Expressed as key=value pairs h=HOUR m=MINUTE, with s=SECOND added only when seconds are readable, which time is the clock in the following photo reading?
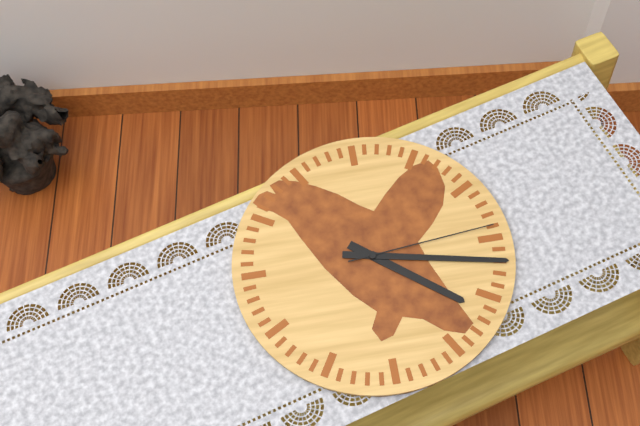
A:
h=4 m=17 s=14
